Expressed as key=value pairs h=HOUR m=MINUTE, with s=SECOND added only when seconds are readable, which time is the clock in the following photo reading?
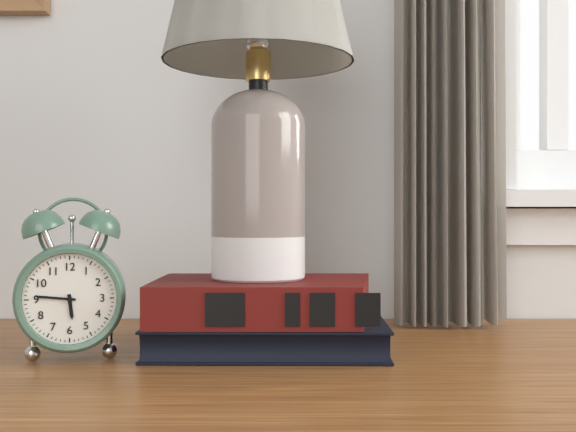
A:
h=5 m=46
